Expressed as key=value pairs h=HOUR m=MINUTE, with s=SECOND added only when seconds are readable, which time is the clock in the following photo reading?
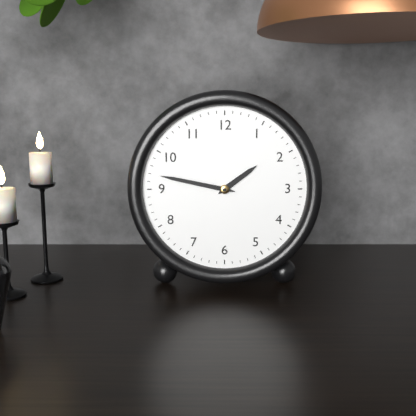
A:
h=1 m=47
